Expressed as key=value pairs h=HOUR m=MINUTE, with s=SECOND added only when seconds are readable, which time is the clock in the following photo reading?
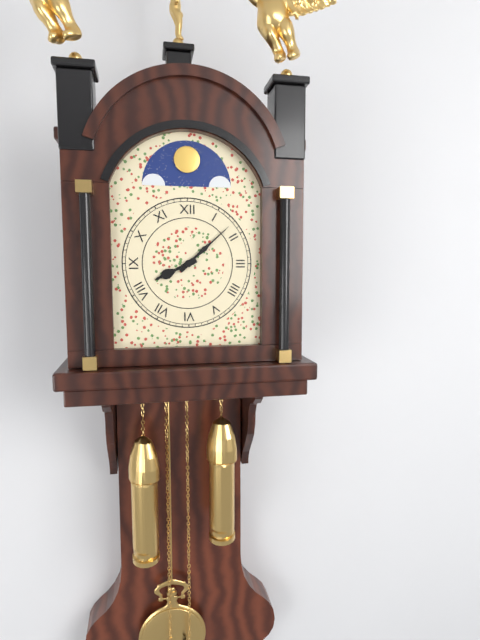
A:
h=8 m=8
